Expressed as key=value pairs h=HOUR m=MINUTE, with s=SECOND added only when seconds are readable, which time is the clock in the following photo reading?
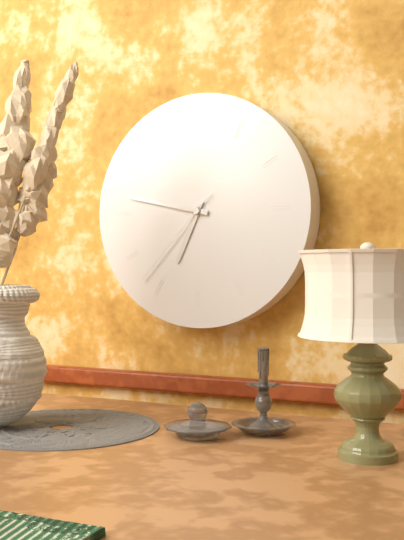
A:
h=6 m=47 s=37
